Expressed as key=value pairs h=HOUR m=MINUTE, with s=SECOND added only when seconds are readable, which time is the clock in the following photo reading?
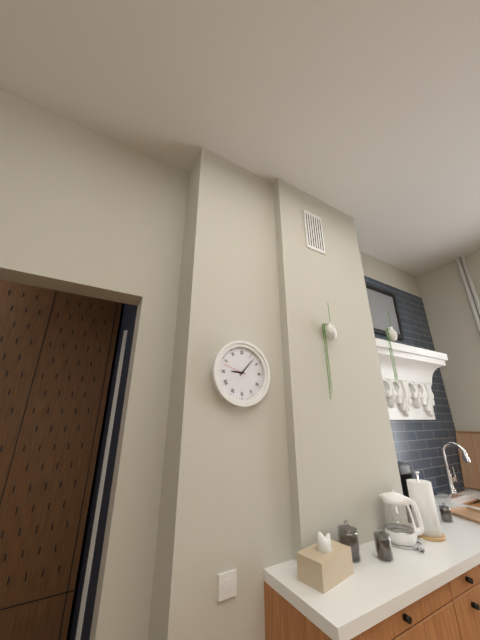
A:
h=9 m=7
